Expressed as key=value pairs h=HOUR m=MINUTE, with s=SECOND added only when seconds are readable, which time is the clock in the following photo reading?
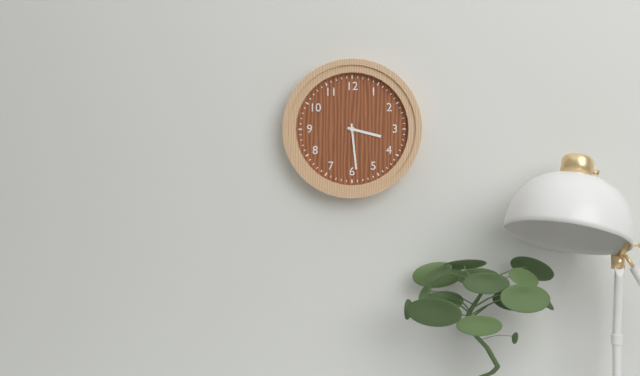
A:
h=3 m=29
